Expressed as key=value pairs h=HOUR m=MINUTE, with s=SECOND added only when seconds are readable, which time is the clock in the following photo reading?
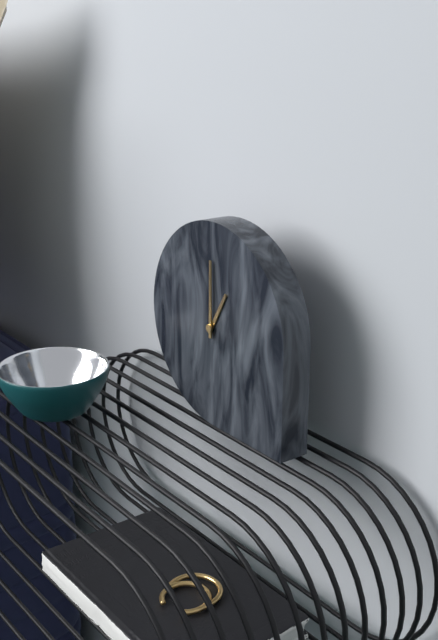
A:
h=1 m=0
